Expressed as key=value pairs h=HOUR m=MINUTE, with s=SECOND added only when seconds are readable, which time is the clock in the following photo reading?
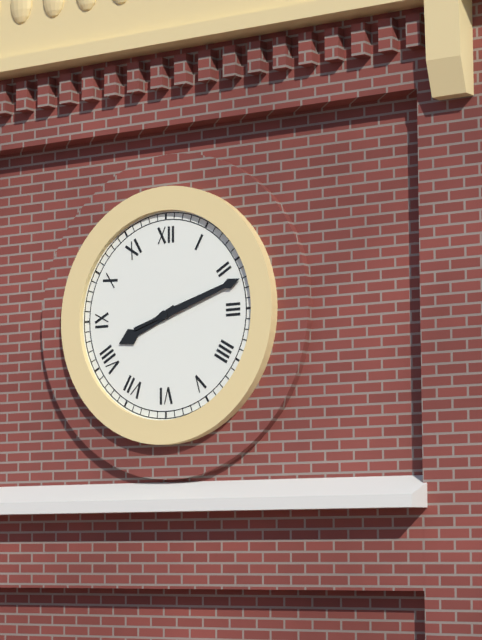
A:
h=8 m=12
